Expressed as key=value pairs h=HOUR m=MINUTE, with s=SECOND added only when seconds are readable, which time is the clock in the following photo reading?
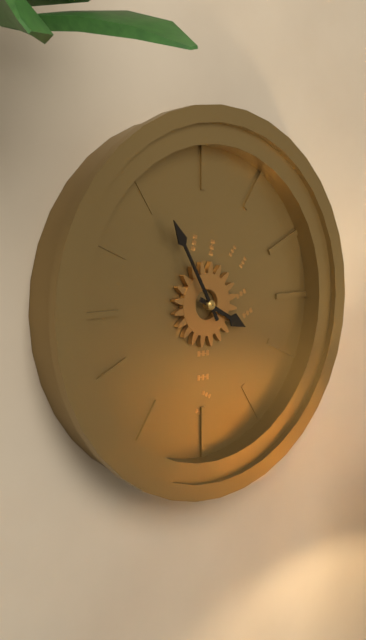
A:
h=3 m=55
